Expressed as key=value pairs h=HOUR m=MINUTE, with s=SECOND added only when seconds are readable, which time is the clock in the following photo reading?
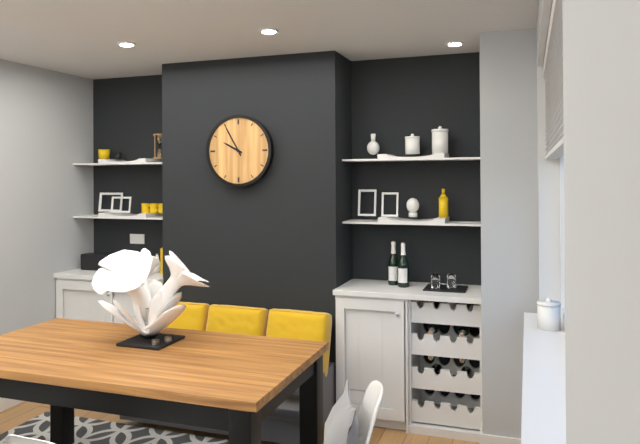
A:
h=9 m=55
